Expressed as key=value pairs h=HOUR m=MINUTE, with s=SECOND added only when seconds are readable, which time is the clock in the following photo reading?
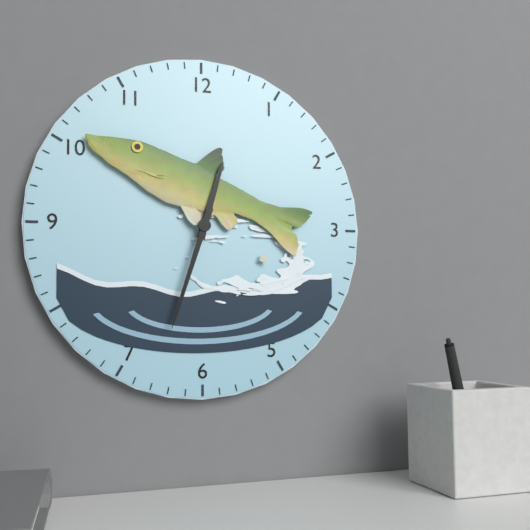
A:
h=12 m=33
